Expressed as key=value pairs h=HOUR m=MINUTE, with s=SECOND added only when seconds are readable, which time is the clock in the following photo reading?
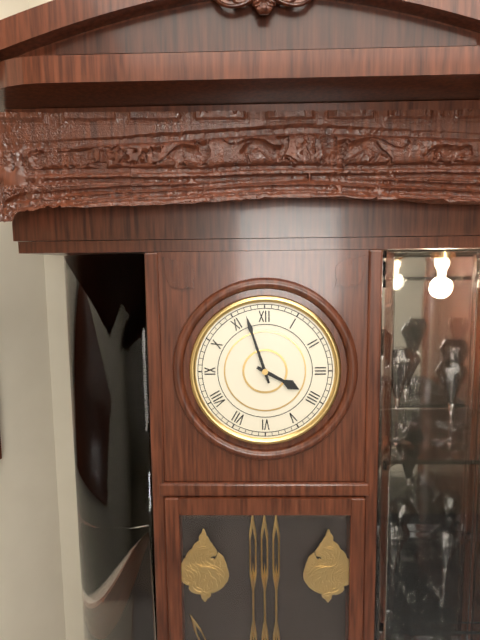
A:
h=3 m=57
